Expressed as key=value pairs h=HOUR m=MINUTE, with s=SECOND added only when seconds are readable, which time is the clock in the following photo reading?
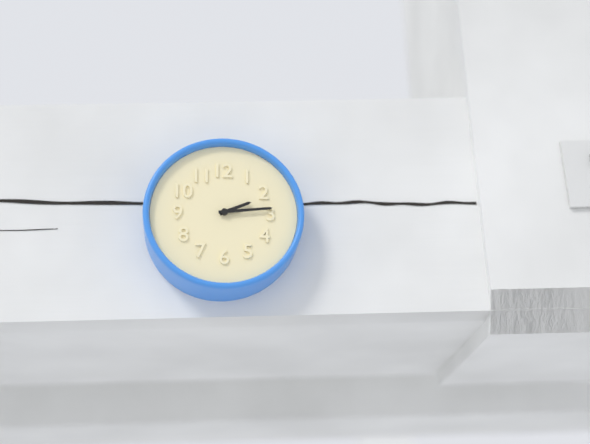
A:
h=2 m=14
